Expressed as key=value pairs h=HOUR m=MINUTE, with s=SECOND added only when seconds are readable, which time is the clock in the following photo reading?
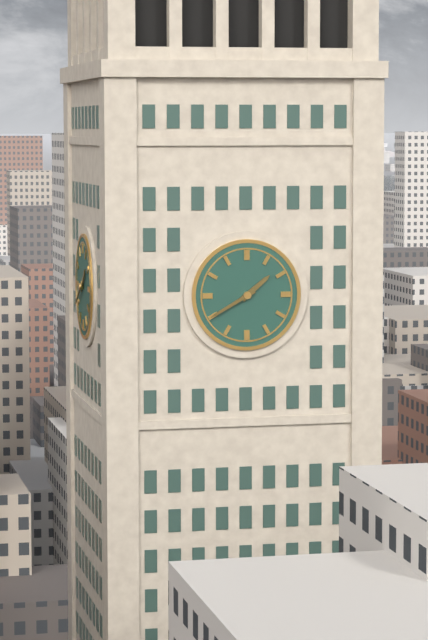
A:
h=1 m=40
